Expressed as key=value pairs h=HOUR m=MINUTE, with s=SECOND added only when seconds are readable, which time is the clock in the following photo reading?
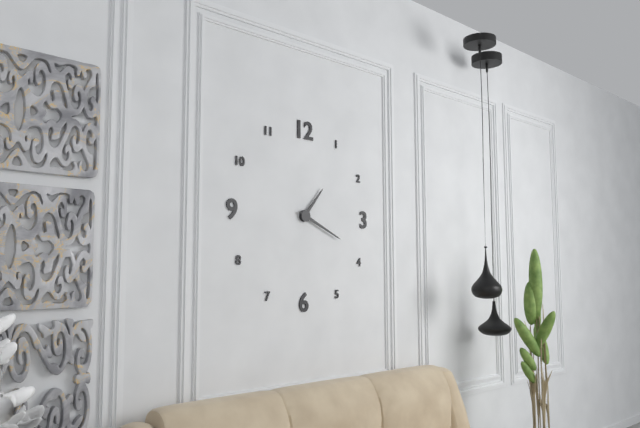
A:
h=1 m=19
